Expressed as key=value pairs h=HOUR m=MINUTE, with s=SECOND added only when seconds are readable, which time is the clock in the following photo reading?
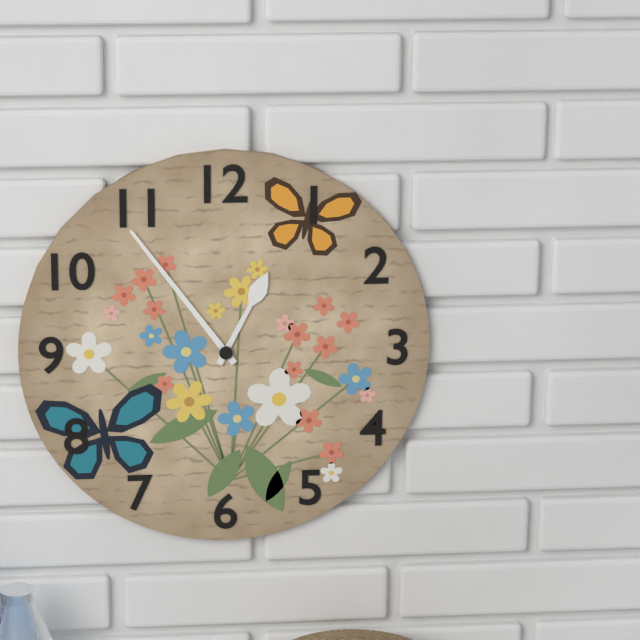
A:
h=12 m=54
